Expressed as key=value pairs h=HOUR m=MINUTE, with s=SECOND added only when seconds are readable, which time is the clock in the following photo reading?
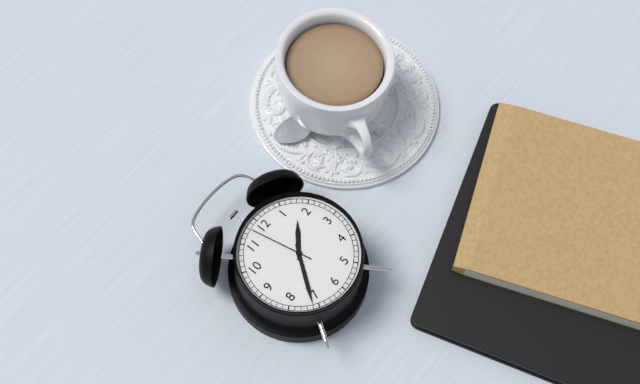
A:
h=1 m=36 s=58
